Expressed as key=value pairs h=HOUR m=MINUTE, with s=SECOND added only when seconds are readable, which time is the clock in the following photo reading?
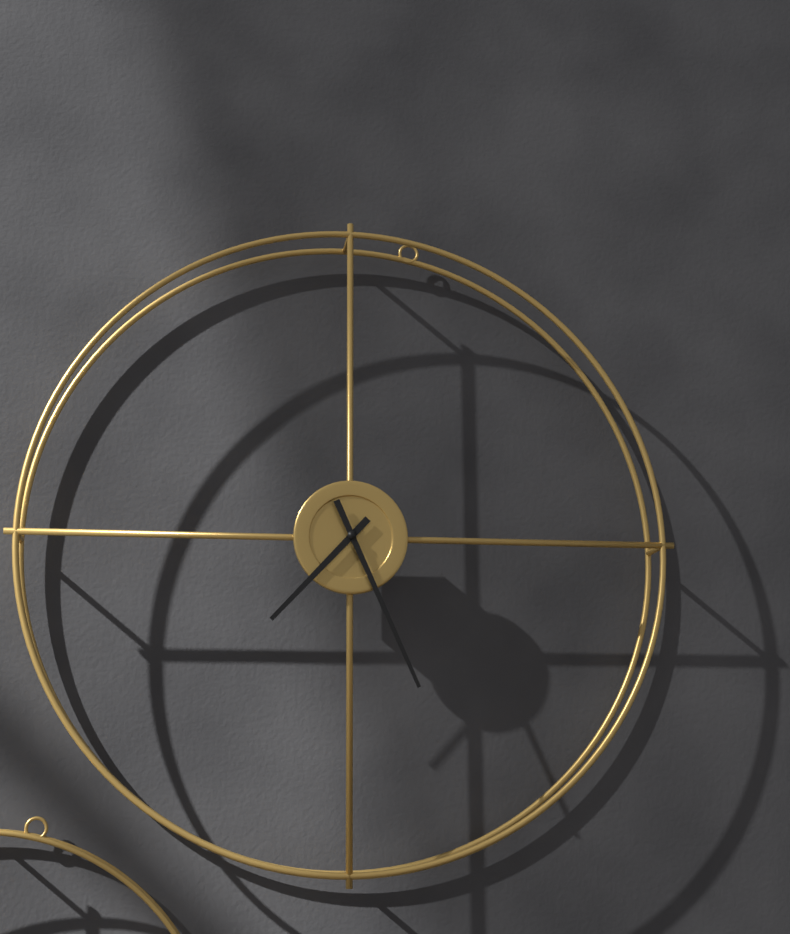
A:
h=7 m=26
